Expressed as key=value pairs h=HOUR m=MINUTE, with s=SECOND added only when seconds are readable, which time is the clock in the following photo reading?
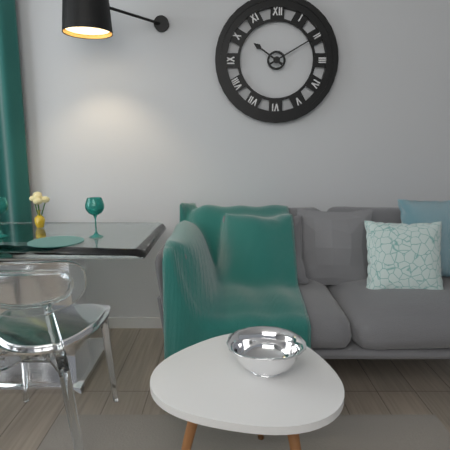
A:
h=10 m=10
